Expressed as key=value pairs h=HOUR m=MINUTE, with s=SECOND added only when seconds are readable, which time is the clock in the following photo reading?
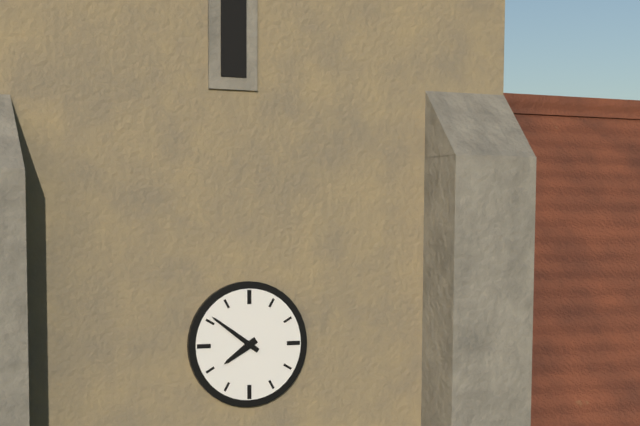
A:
h=7 m=51
